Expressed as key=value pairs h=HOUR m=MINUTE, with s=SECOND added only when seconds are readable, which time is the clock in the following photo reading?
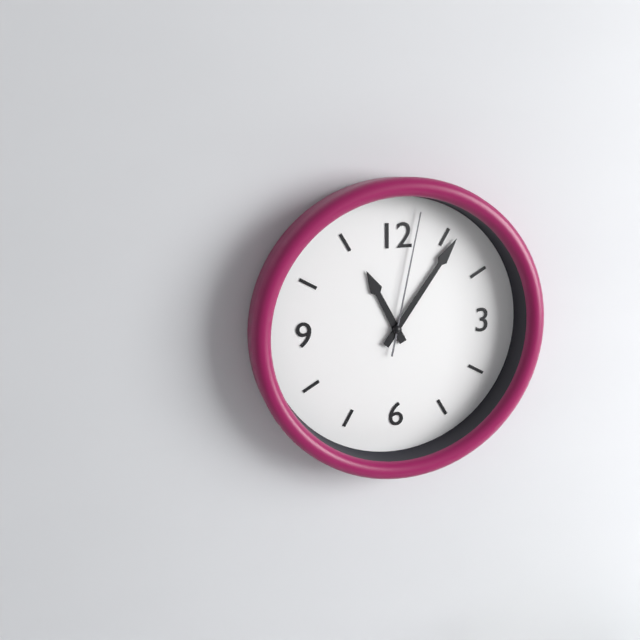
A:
h=11 m=6 s=2
